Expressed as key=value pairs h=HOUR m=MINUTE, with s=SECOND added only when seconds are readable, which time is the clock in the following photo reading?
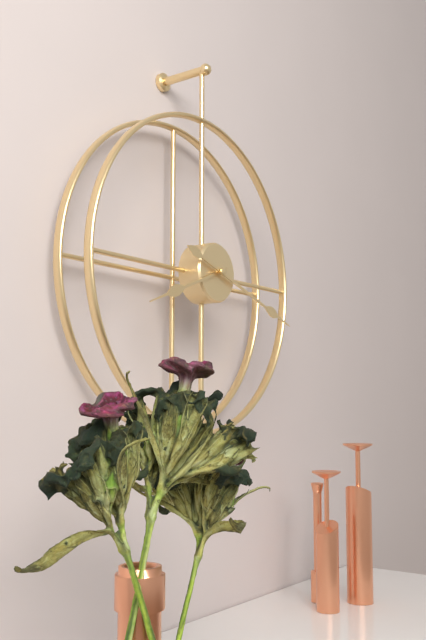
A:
h=8 m=18
